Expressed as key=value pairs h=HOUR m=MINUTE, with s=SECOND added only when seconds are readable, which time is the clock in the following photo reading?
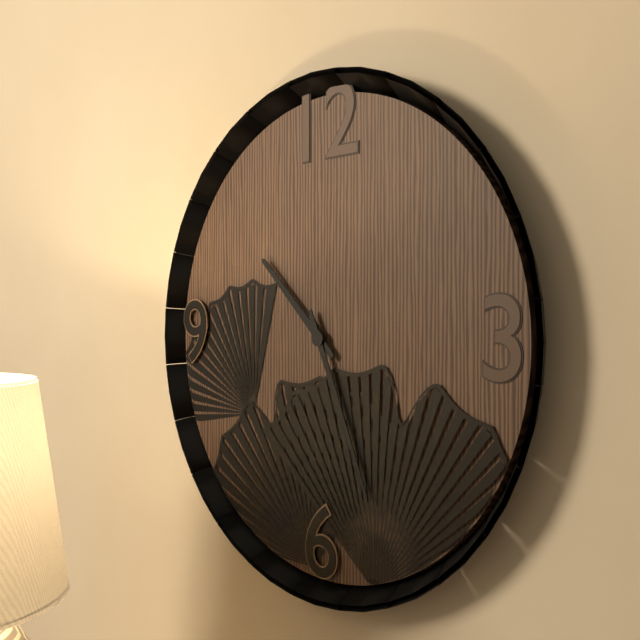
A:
h=10 m=26
